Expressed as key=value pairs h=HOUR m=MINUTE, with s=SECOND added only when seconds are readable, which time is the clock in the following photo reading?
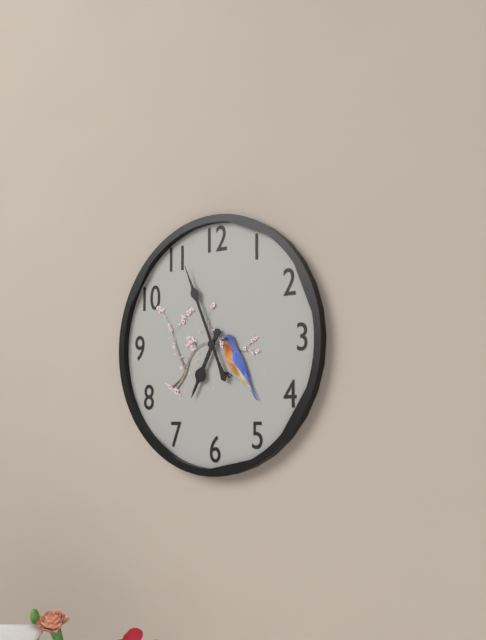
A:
h=6 m=56
